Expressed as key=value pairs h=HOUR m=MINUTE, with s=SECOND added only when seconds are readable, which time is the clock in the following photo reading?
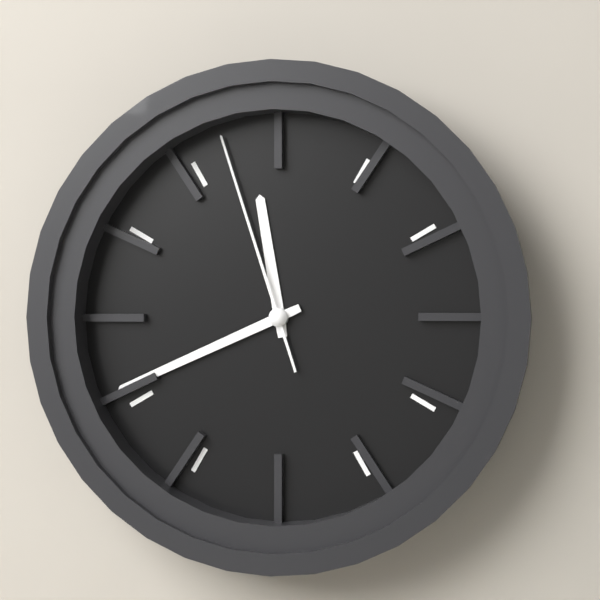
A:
h=11 m=41 s=57
